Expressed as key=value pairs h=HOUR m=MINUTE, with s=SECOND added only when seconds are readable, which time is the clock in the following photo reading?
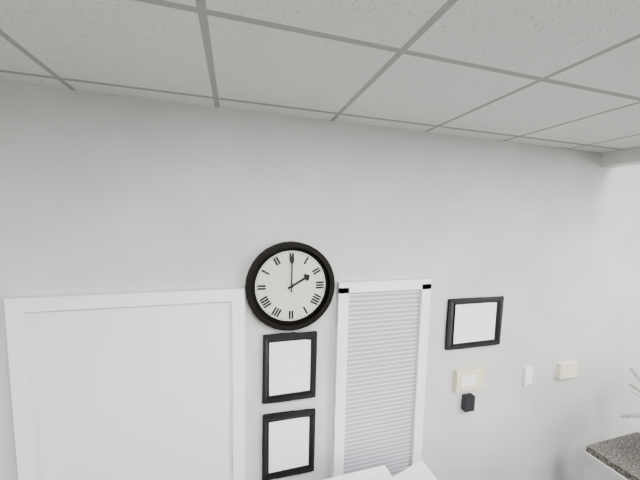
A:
h=2 m=0
